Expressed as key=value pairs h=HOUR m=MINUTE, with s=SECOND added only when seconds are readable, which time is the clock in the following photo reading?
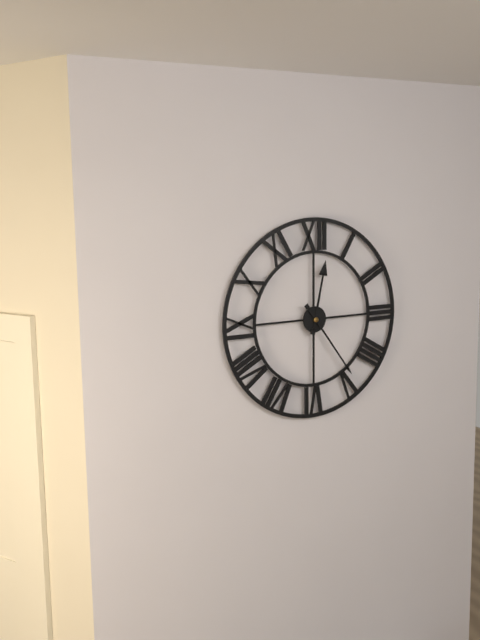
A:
h=12 m=24
